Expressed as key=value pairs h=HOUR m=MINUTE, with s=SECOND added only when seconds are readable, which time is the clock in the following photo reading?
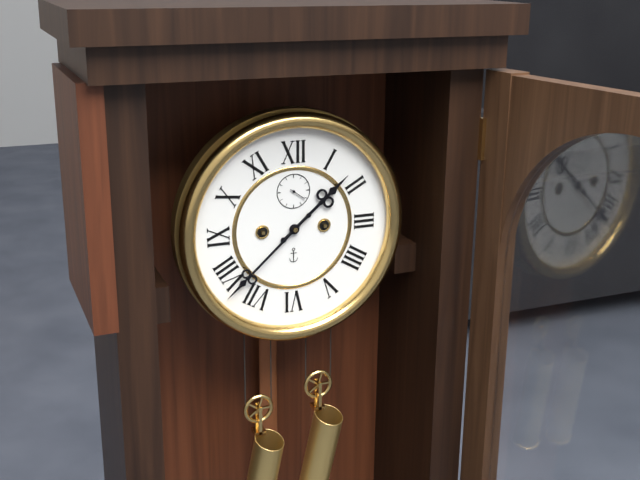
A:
h=1 m=38
